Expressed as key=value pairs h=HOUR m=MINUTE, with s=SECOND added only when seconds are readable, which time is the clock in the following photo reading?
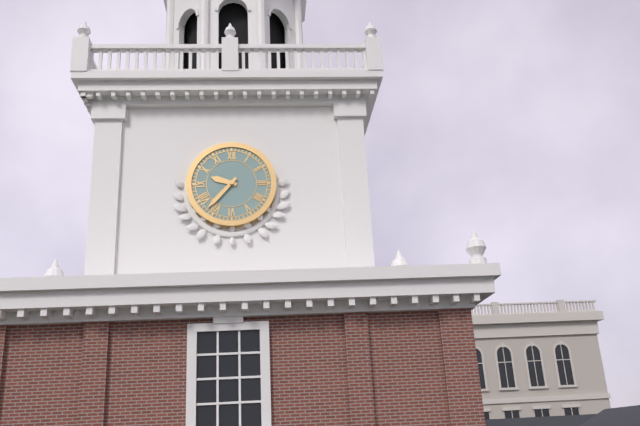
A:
h=9 m=37
